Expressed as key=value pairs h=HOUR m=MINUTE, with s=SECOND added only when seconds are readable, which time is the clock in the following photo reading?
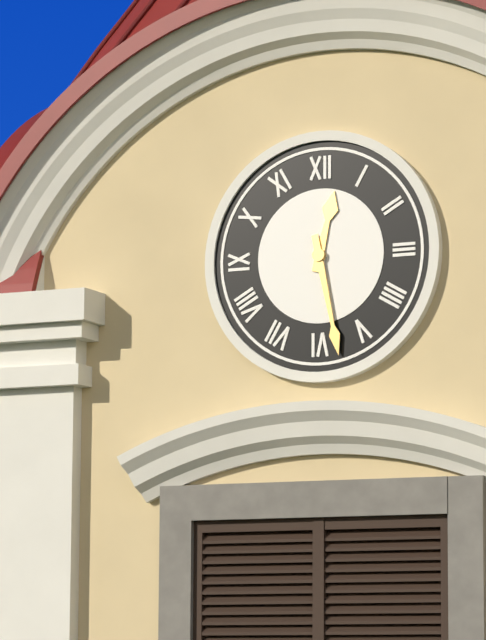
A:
h=12 m=28
